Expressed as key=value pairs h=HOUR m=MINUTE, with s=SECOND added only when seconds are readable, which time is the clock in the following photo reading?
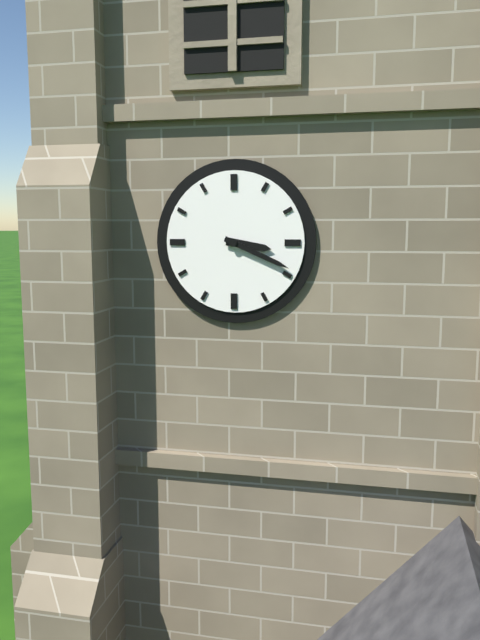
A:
h=3 m=19
